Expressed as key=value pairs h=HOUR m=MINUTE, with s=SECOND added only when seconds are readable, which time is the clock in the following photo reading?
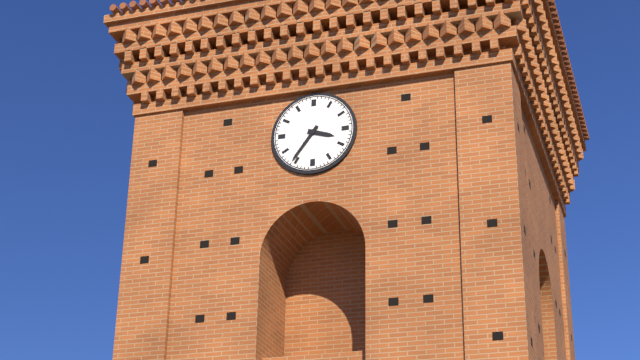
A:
h=3 m=36
